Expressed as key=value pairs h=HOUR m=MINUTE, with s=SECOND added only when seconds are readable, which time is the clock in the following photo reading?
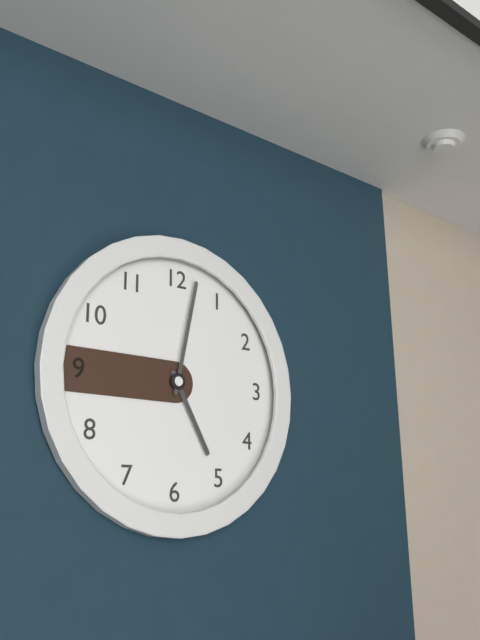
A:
h=5 m=2
